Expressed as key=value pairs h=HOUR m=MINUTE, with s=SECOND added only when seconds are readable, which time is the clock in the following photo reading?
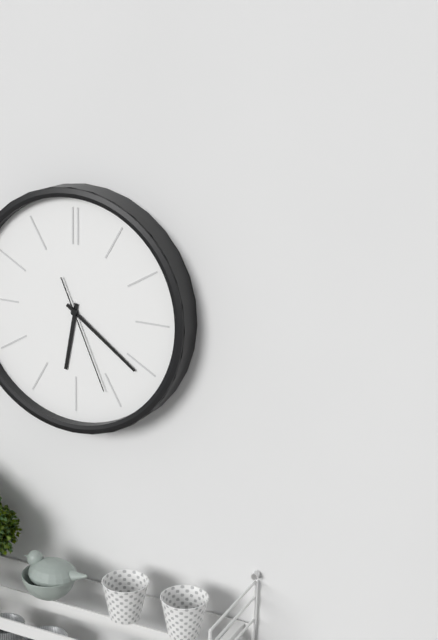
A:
h=6 m=21 s=26
